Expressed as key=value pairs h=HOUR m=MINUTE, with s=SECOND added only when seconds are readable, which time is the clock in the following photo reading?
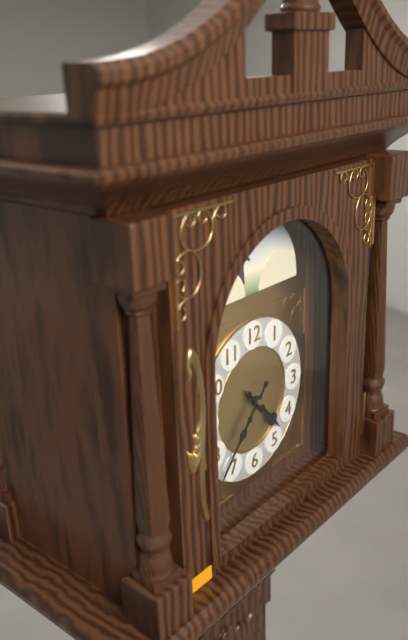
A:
h=4 m=37
